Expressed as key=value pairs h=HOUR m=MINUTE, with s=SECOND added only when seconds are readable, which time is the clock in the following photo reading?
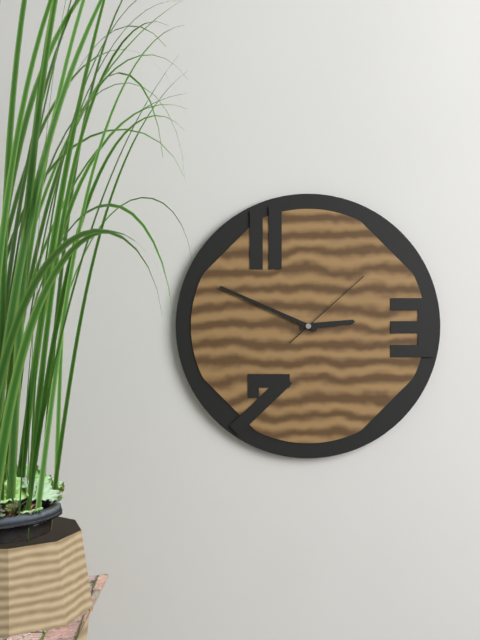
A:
h=2 m=49 s=8
